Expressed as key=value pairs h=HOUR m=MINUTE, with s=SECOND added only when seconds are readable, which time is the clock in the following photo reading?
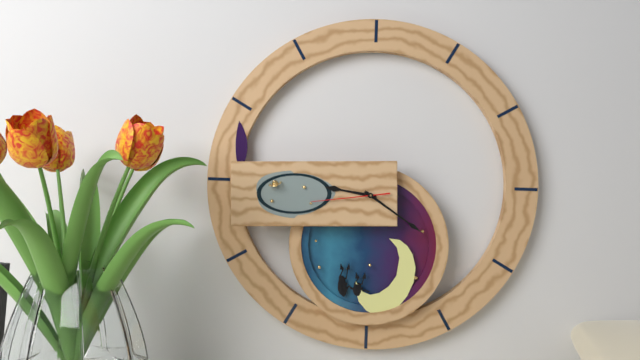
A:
h=9 m=21 s=44
